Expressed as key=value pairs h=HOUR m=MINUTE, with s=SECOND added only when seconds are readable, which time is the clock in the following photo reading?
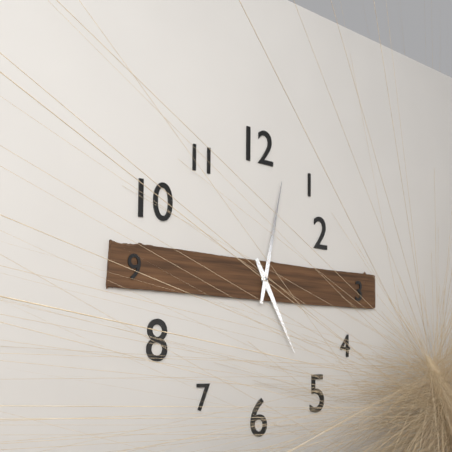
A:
h=5 m=2
